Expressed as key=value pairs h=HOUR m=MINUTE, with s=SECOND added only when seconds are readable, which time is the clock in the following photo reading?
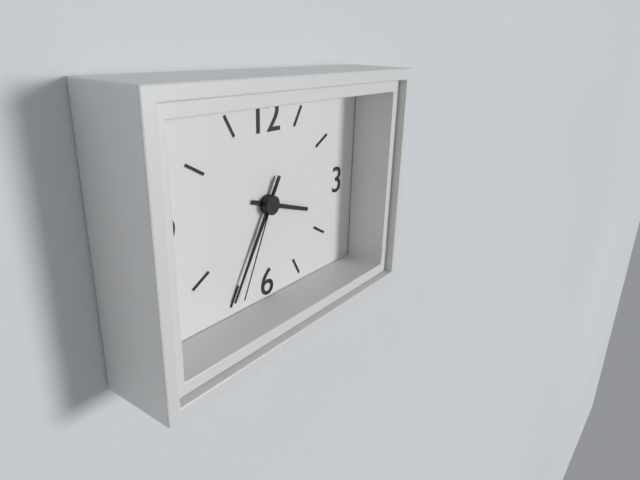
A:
h=3 m=35 s=34
